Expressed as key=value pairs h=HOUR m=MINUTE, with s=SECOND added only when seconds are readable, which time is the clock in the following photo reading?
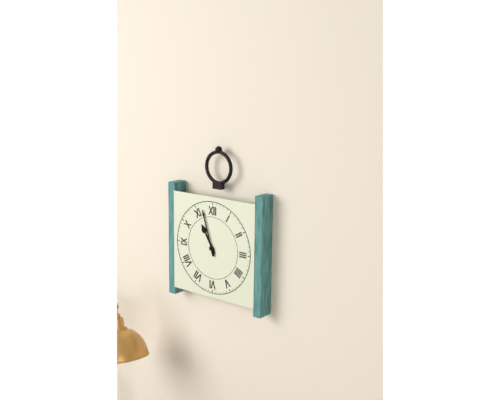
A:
h=10 m=57
